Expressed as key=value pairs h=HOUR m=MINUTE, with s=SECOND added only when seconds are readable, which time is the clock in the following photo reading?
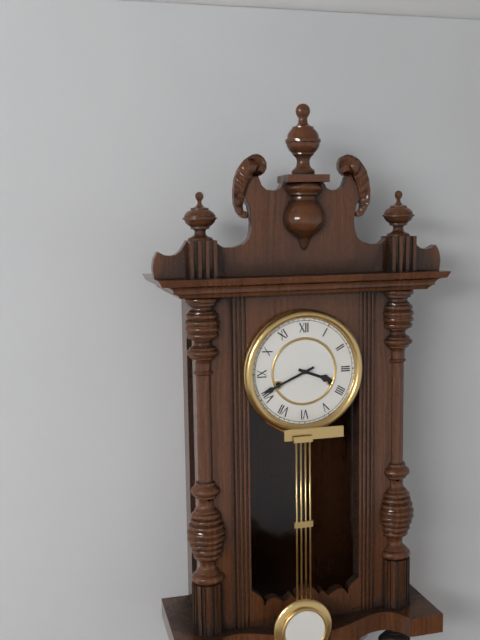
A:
h=3 m=41
